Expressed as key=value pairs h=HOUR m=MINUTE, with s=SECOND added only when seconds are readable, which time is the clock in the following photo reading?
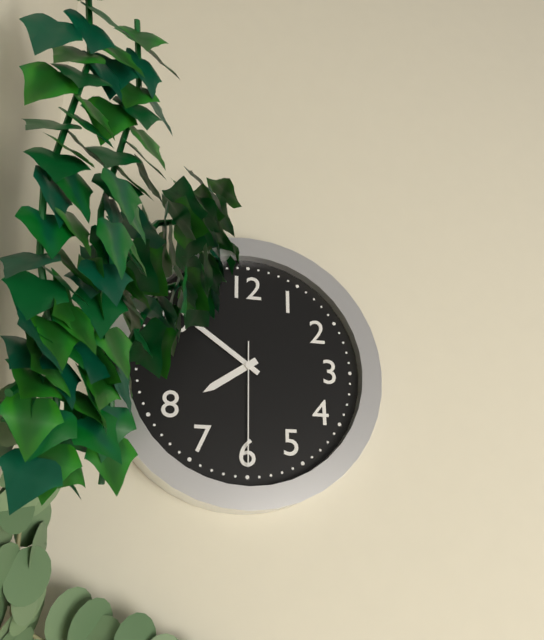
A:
h=7 m=51 s=30
